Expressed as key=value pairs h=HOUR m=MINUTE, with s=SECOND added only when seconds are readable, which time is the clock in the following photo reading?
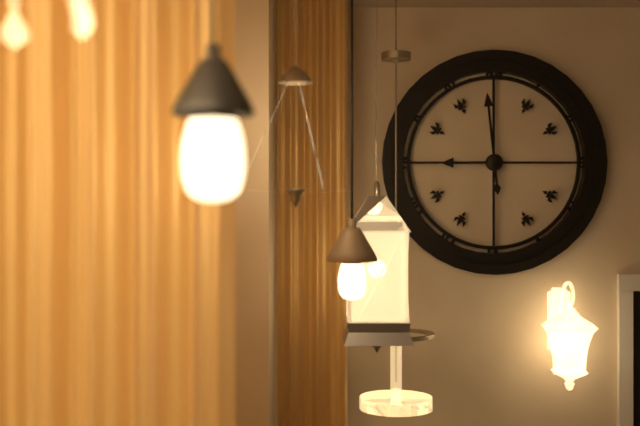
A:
h=8 m=59
